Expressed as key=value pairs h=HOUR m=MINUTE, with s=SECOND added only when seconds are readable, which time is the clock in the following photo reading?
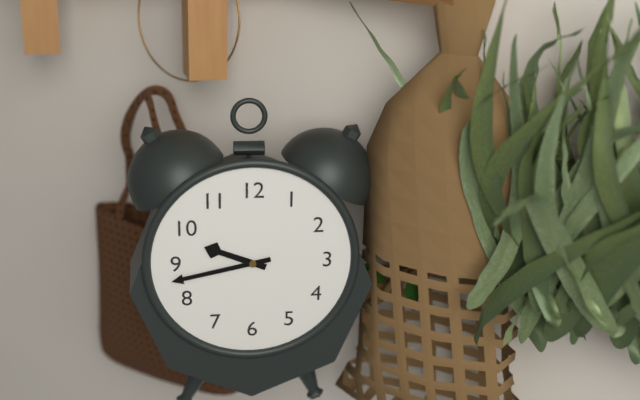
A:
h=9 m=43
